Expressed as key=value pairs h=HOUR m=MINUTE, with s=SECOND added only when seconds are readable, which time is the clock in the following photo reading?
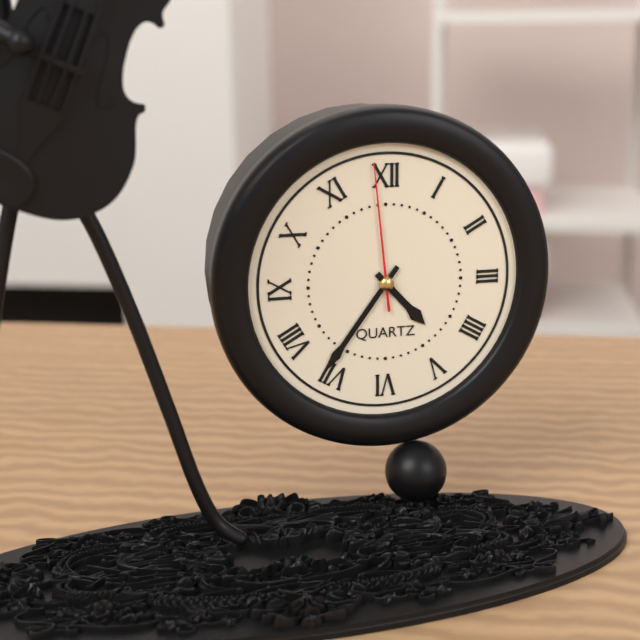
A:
h=4 m=36 s=59
